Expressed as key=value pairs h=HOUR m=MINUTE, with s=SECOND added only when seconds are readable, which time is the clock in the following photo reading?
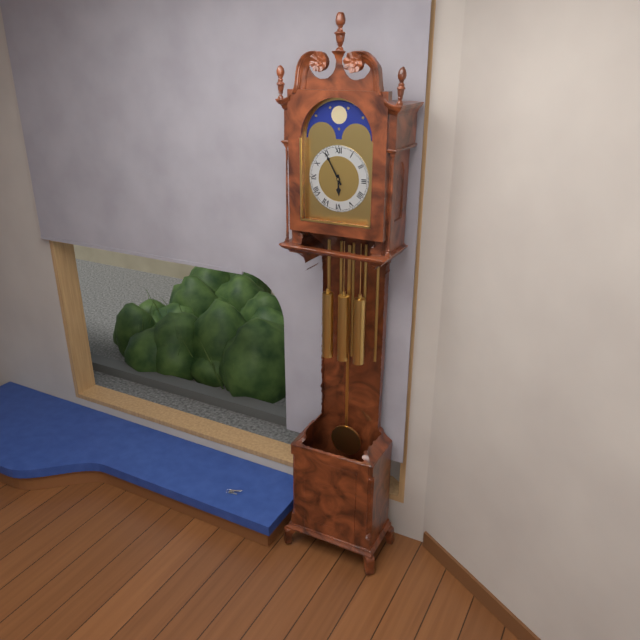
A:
h=5 m=55
